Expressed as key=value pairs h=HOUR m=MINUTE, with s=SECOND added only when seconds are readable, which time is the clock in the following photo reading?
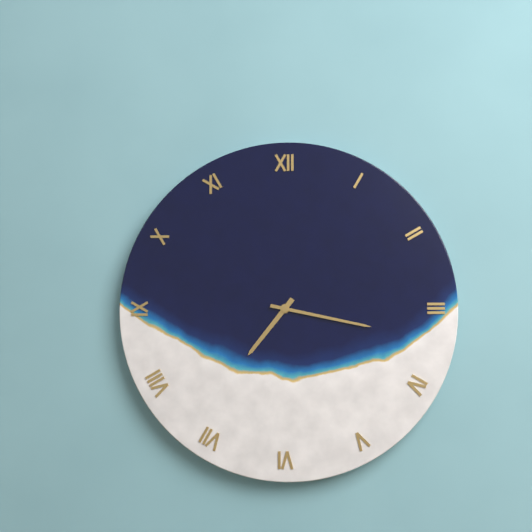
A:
h=7 m=17
